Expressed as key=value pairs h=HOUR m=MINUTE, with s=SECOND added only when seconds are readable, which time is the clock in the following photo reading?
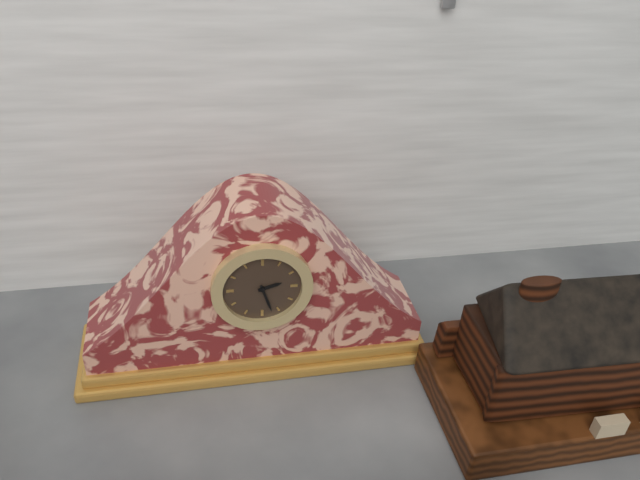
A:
h=2 m=27
